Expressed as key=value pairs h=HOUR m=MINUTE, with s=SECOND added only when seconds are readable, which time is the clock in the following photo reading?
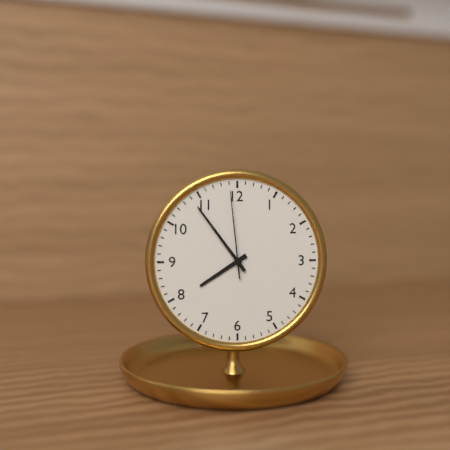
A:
h=7 m=54 s=59
